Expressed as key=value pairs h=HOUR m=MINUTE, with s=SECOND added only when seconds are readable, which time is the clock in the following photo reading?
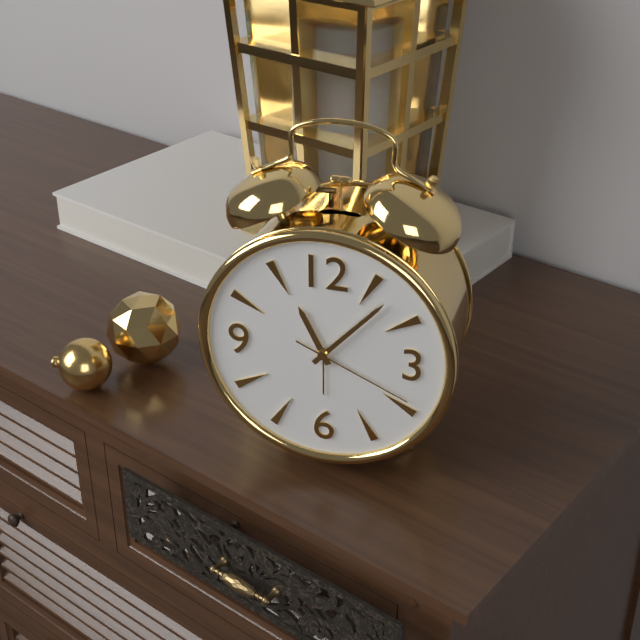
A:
h=11 m=7 s=19
